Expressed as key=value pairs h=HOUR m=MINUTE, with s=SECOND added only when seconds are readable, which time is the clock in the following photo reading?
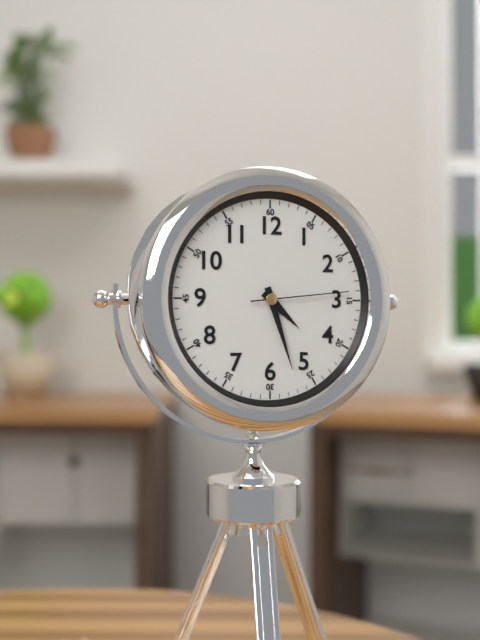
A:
h=4 m=27 s=14
